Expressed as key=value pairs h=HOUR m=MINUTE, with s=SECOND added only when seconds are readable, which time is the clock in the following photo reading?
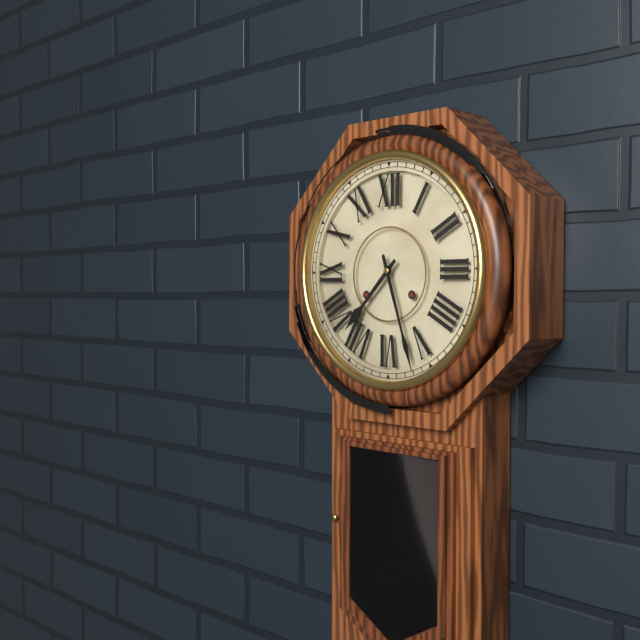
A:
h=7 m=27
